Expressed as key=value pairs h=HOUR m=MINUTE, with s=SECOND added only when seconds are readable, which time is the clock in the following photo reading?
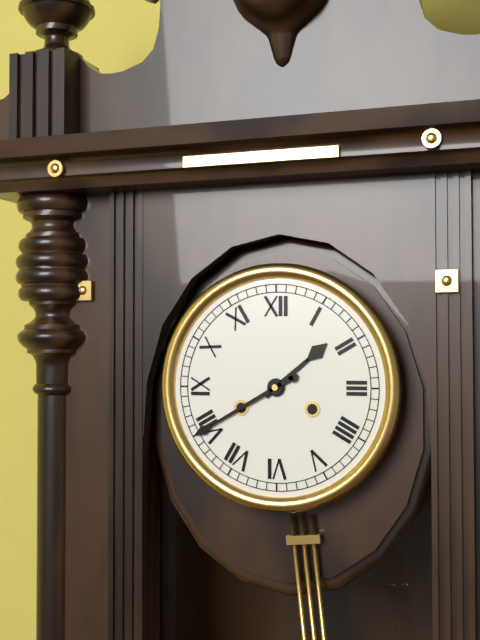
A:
h=1 m=40
